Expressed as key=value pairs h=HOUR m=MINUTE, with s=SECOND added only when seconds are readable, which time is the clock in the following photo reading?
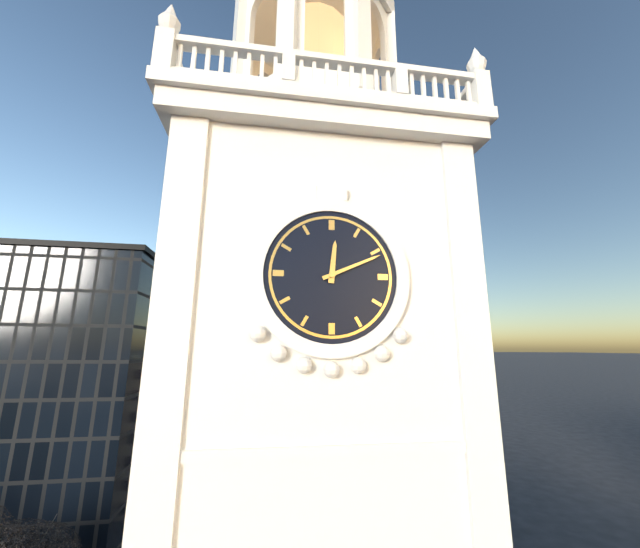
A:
h=12 m=11
